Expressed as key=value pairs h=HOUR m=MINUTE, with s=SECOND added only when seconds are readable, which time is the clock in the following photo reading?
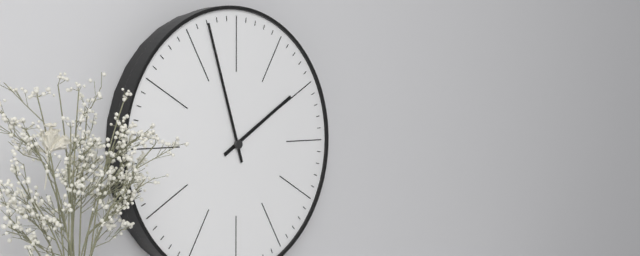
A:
h=1 m=57
